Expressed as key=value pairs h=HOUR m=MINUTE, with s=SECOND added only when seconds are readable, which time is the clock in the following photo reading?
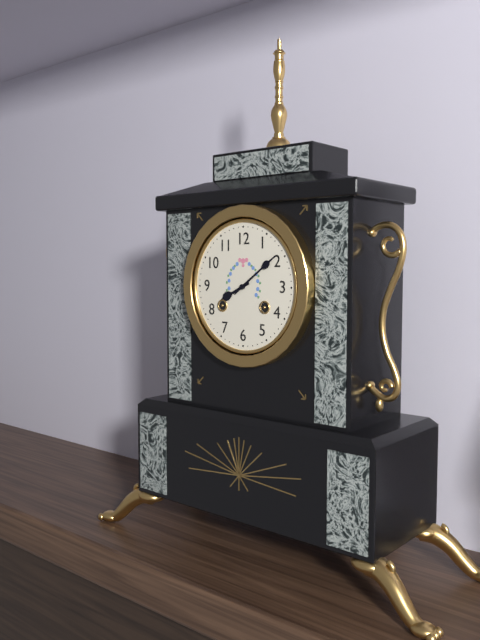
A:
h=8 m=9
